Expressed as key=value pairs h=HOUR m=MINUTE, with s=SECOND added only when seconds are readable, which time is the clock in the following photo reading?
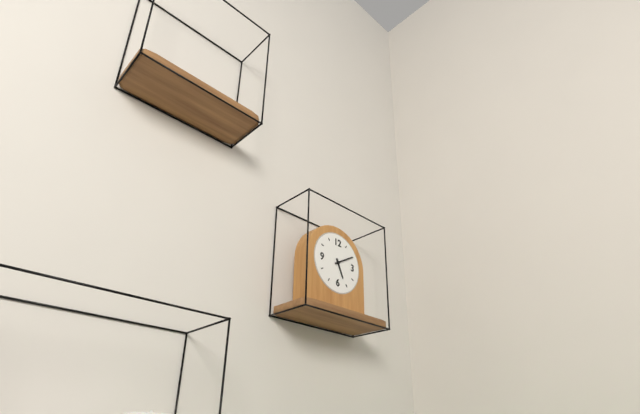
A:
h=5 m=10
